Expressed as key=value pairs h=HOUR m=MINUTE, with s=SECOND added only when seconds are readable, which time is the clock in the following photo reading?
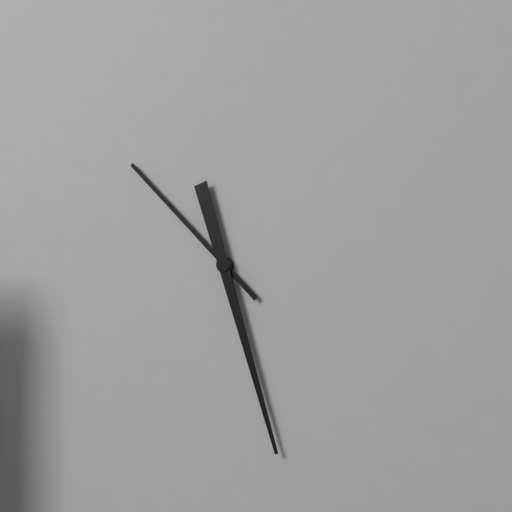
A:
h=10 m=27
